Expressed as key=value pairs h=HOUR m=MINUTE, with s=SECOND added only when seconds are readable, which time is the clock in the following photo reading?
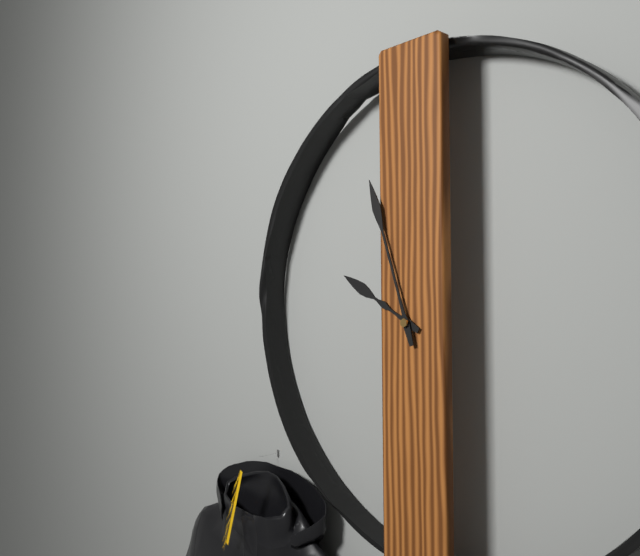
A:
h=9 m=57
